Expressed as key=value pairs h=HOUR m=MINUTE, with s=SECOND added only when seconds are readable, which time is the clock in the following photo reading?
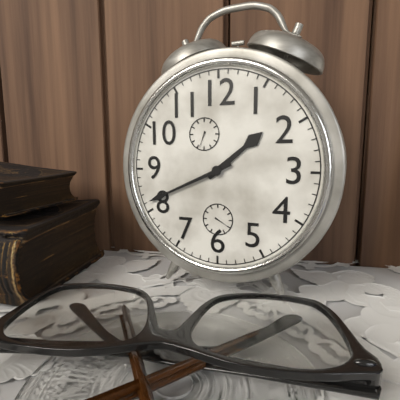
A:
h=1 m=41
